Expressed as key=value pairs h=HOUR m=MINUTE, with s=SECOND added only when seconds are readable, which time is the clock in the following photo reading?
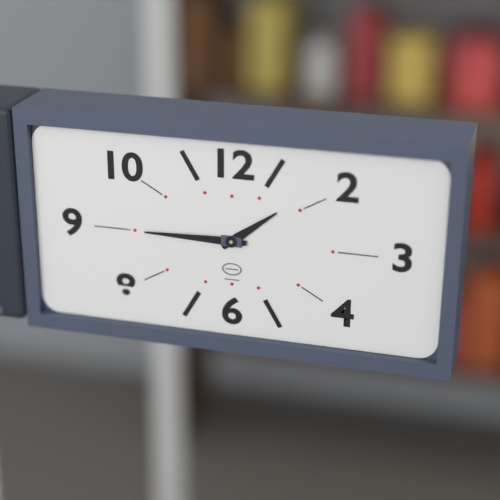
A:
h=1 m=45
